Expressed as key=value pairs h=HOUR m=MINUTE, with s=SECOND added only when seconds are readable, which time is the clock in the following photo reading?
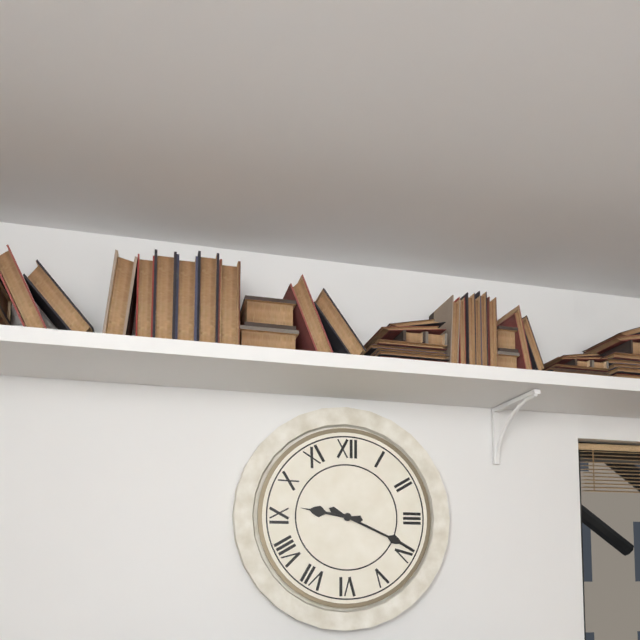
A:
h=9 m=19
